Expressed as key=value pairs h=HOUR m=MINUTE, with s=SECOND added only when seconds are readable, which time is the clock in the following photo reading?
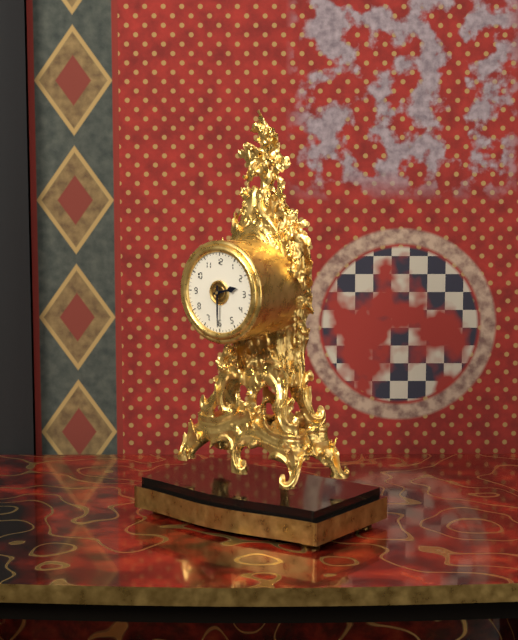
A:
h=2 m=30
